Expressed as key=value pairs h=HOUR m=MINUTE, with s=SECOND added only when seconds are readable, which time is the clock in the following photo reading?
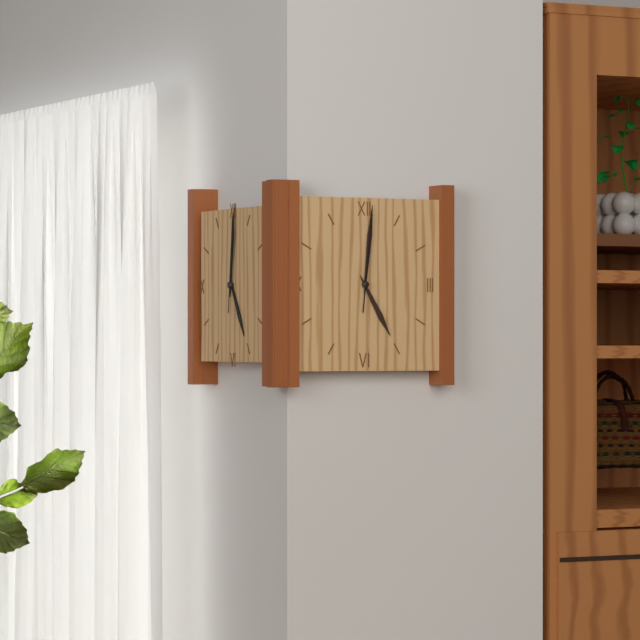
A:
h=5 m=1 s=1
